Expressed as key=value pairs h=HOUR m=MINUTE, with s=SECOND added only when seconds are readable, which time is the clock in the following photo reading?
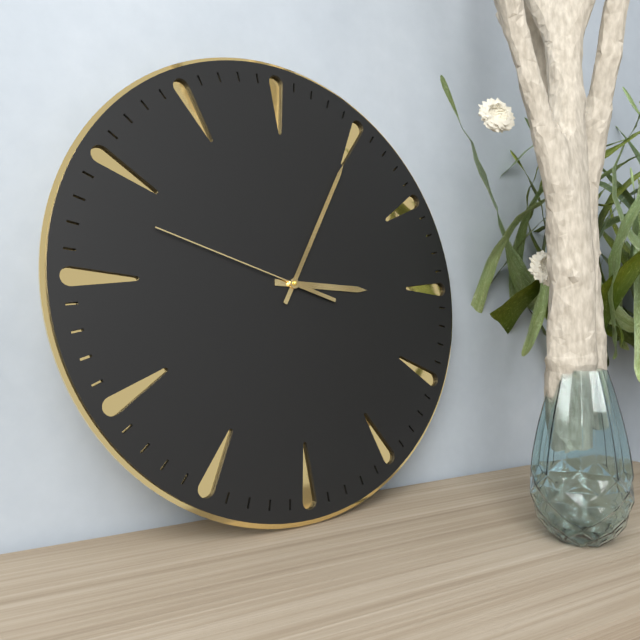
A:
h=3 m=5 s=48
